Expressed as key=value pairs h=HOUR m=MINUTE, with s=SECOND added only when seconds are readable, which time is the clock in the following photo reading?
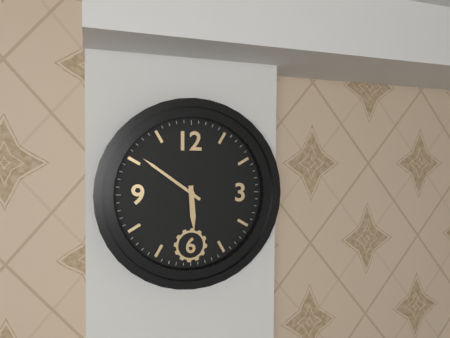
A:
h=5 m=51
